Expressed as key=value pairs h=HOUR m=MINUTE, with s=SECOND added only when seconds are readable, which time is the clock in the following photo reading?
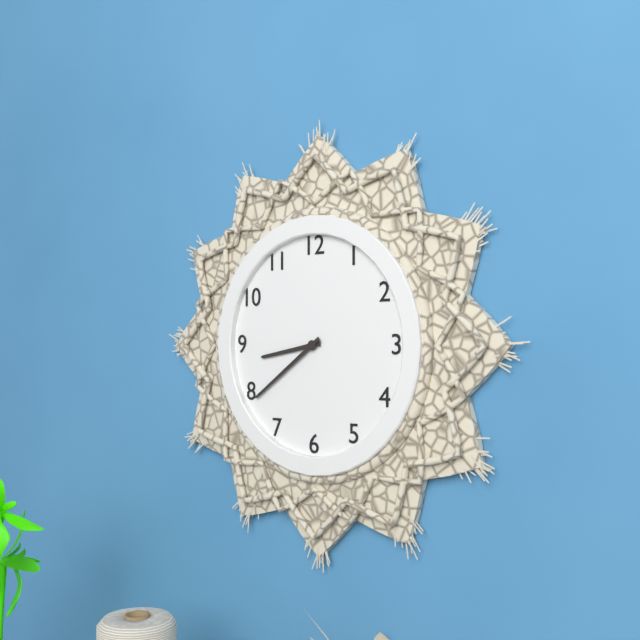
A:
h=8 m=39
